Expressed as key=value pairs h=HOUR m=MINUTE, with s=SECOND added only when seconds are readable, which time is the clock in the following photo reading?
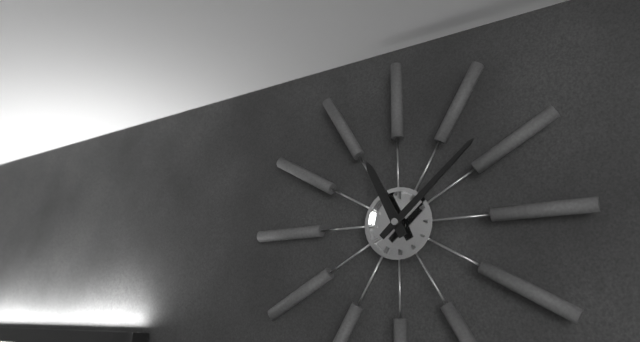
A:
h=11 m=8
